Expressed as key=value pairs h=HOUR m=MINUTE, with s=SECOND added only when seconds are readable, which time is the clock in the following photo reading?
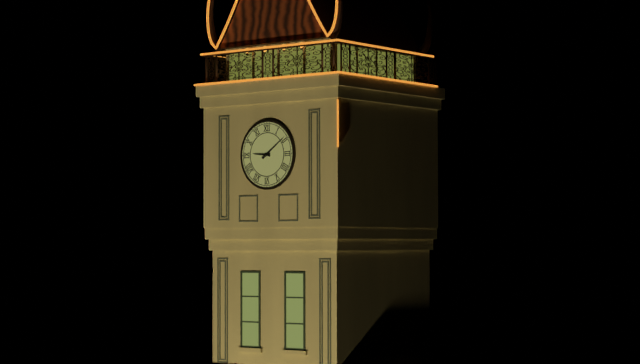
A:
h=9 m=9
